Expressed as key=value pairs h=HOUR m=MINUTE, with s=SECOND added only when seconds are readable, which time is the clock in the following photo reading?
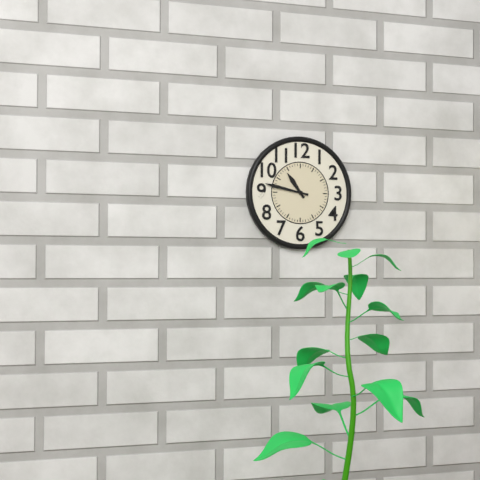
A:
h=10 m=47
